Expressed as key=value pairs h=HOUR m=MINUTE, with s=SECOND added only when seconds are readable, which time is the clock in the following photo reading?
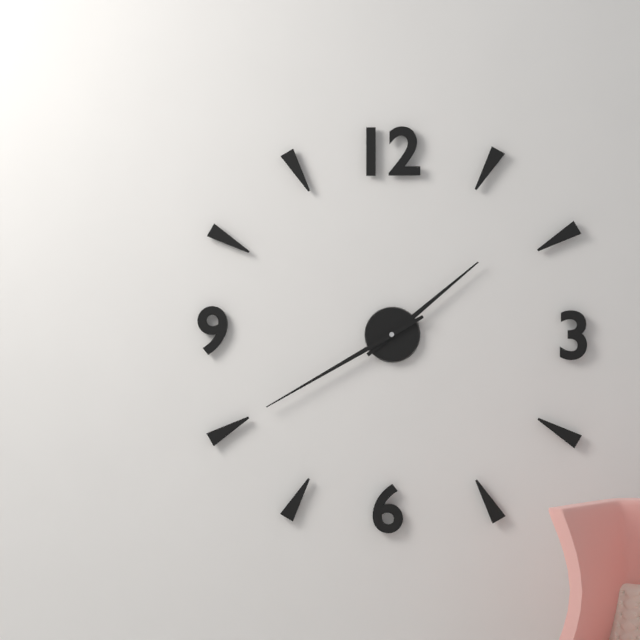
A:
h=1 m=40
